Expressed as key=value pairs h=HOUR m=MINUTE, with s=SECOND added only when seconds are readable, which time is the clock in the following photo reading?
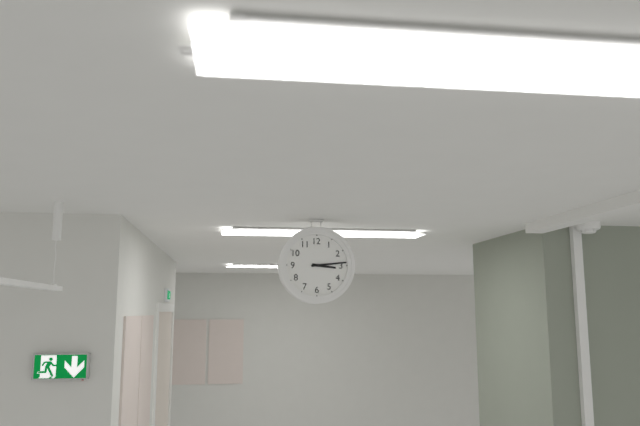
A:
h=3 m=14
